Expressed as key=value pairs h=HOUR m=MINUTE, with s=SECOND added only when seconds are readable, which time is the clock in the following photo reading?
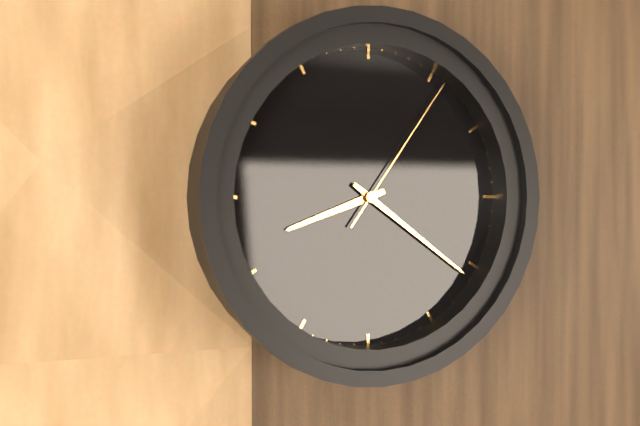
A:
h=8 m=21 s=6
